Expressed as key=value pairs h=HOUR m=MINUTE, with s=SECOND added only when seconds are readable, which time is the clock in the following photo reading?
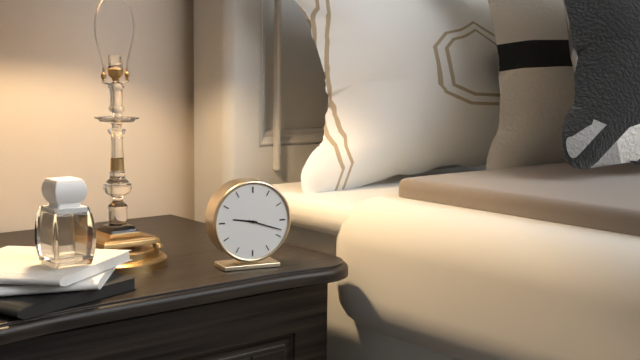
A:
h=9 m=18
